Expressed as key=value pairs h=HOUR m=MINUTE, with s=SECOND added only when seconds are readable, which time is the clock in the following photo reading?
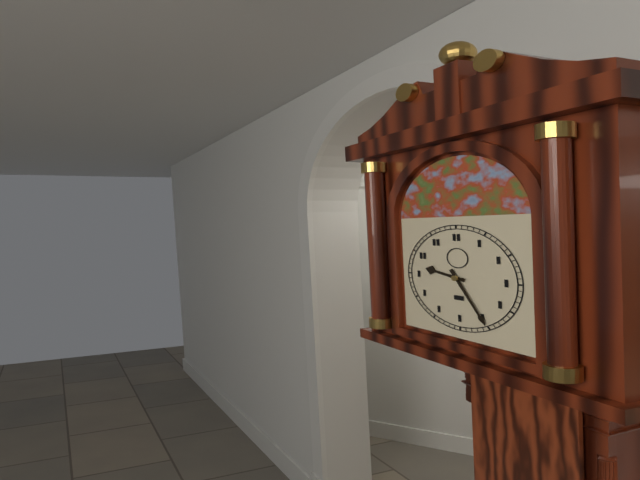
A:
h=9 m=25
